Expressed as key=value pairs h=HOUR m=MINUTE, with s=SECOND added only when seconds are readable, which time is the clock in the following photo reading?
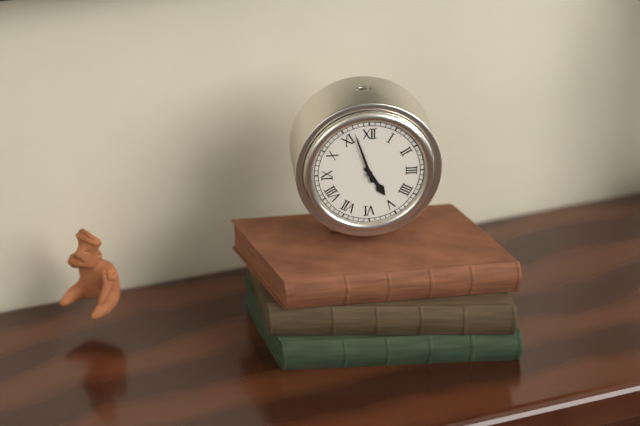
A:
h=4 m=57
